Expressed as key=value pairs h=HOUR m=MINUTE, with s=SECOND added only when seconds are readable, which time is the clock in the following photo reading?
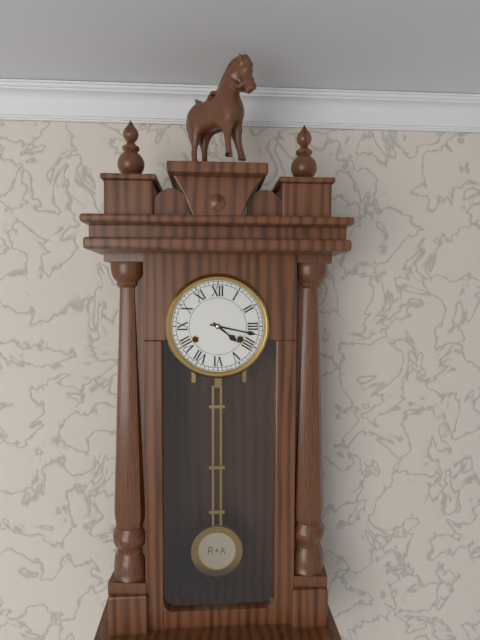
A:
h=4 m=17
